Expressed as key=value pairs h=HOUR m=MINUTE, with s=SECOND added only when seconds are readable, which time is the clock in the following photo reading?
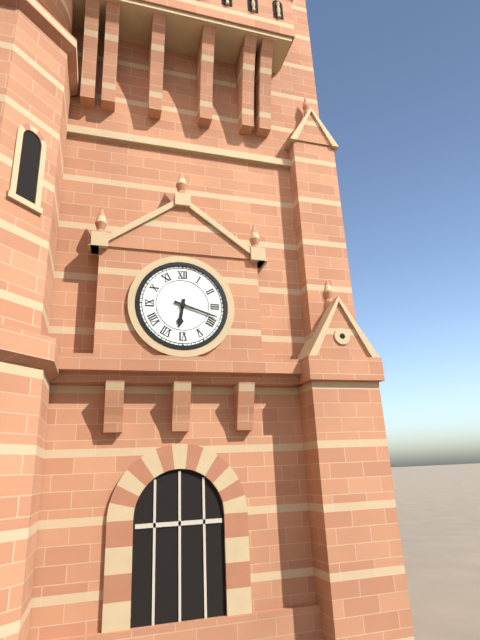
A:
h=6 m=18
